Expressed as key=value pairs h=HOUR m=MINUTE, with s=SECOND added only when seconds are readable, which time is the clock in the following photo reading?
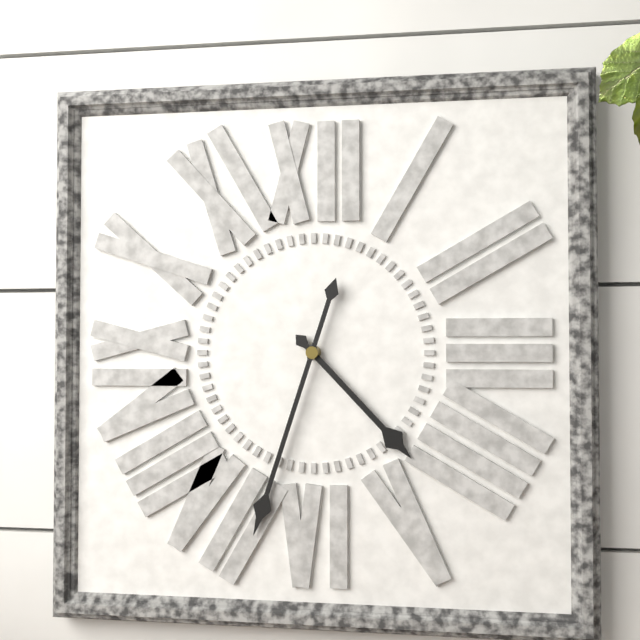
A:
h=4 m=33
